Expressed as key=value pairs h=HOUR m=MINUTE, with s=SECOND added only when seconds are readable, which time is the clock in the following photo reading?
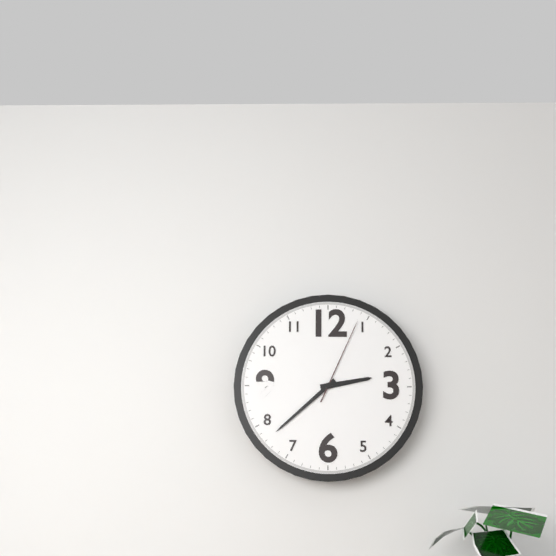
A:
h=2 m=38 s=4
